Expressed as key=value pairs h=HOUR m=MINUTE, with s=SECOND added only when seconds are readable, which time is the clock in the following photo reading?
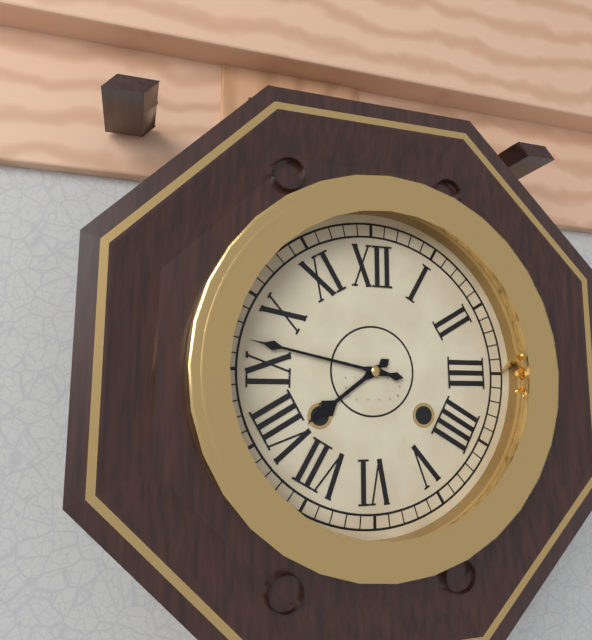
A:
h=7 m=47
